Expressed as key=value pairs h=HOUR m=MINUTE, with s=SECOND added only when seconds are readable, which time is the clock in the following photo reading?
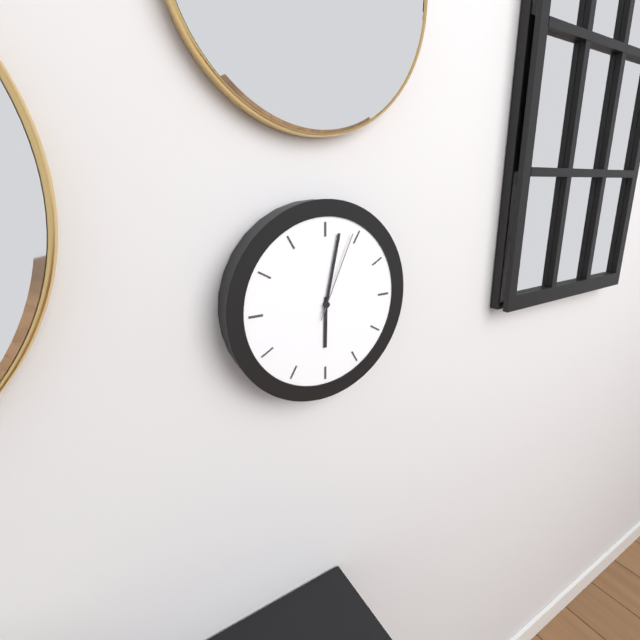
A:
h=6 m=2 s=4
